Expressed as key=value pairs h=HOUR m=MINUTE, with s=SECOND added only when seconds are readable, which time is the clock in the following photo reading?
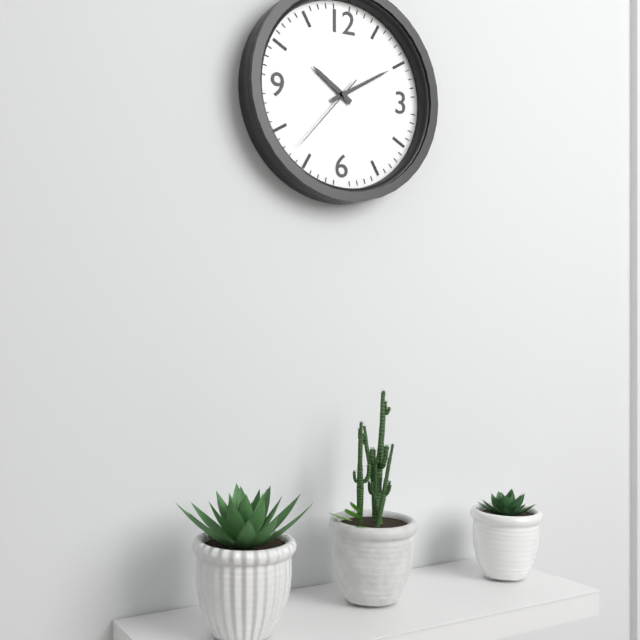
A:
h=10 m=10 s=37
